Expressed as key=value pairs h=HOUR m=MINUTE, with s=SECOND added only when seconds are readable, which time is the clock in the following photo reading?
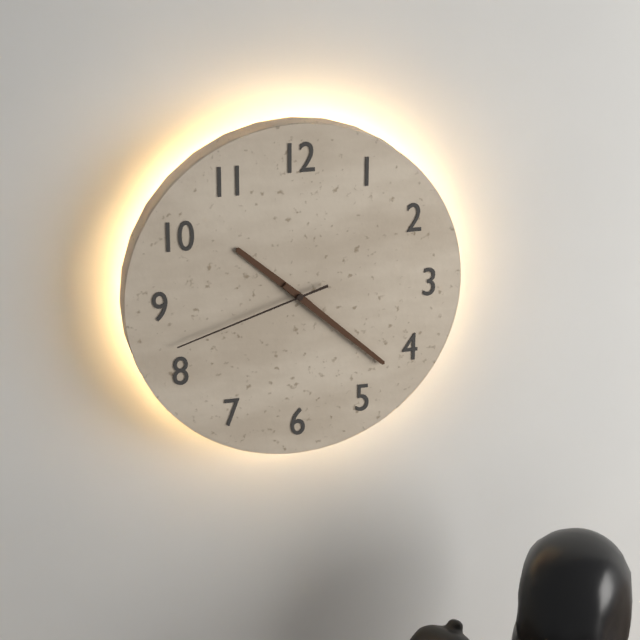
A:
h=10 m=22 s=42
